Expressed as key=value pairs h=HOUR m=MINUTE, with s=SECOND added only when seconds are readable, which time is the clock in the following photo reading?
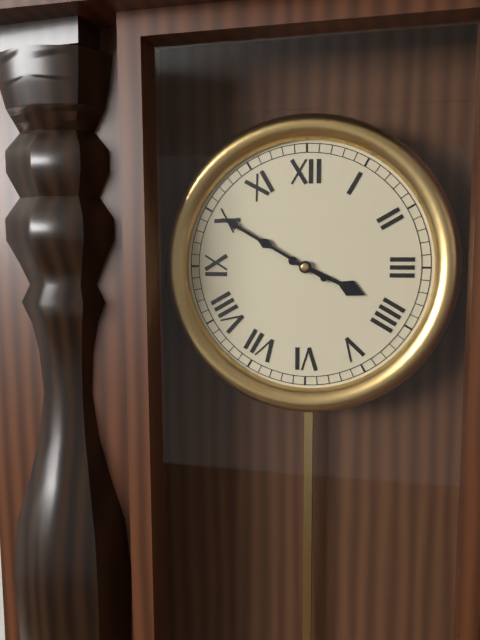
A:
h=3 m=50
